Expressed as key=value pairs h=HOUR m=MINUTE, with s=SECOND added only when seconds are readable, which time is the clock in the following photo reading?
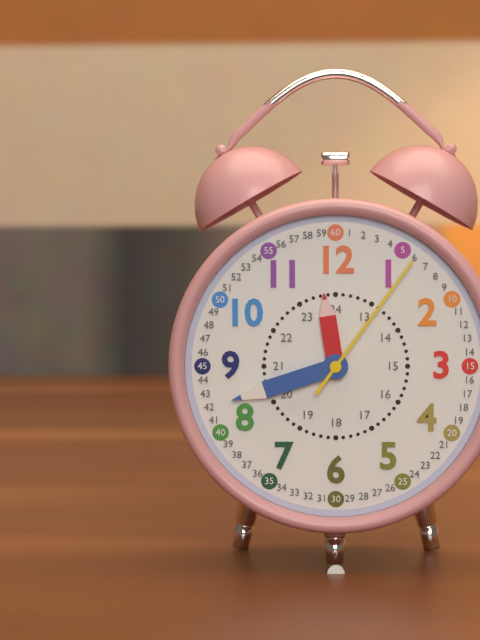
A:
h=11 m=42 s=6
